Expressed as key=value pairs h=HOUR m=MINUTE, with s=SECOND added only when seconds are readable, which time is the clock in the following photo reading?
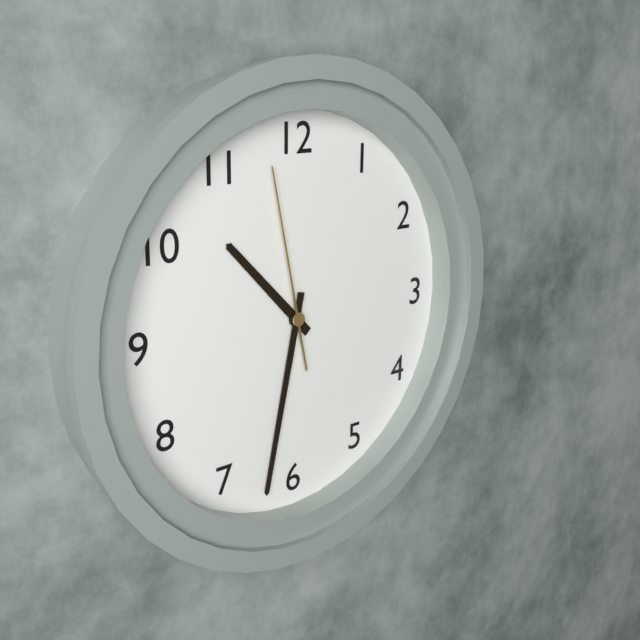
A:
h=10 m=32 s=58
